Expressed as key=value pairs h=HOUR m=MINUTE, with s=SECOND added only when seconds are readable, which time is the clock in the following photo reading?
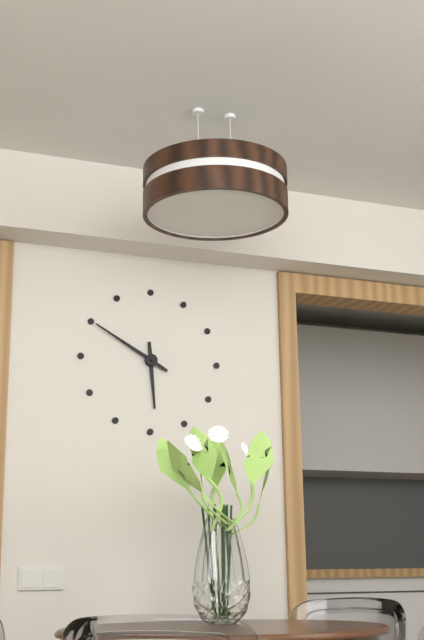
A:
h=5 m=50
